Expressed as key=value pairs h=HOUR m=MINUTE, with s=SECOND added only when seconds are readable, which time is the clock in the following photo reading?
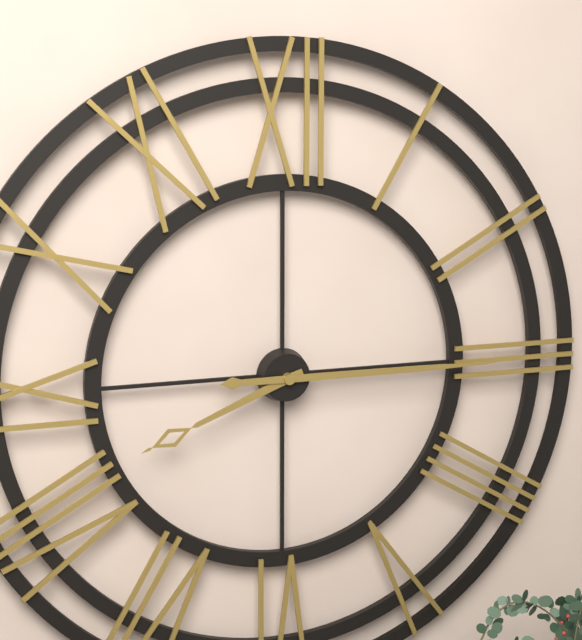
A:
h=8 m=15
